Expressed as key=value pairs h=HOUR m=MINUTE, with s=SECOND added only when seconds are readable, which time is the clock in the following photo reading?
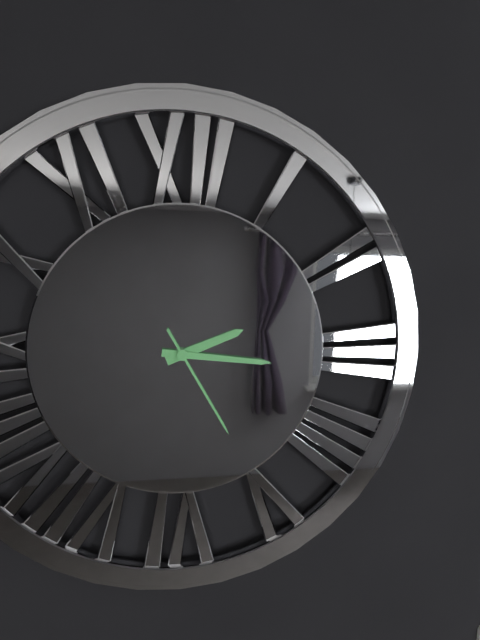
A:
h=2 m=16 s=25
